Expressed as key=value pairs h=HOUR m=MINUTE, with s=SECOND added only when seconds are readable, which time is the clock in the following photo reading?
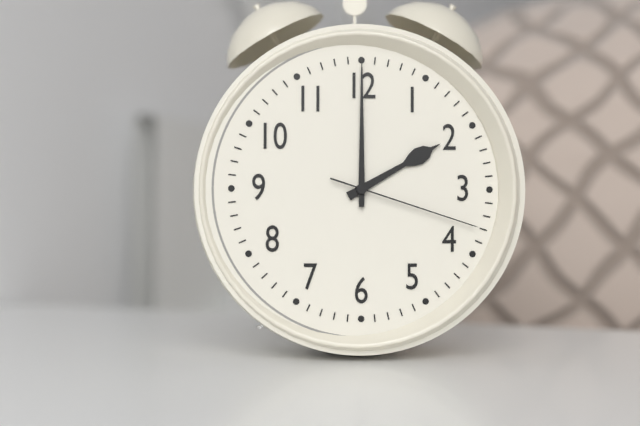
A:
h=2 m=0 s=18
